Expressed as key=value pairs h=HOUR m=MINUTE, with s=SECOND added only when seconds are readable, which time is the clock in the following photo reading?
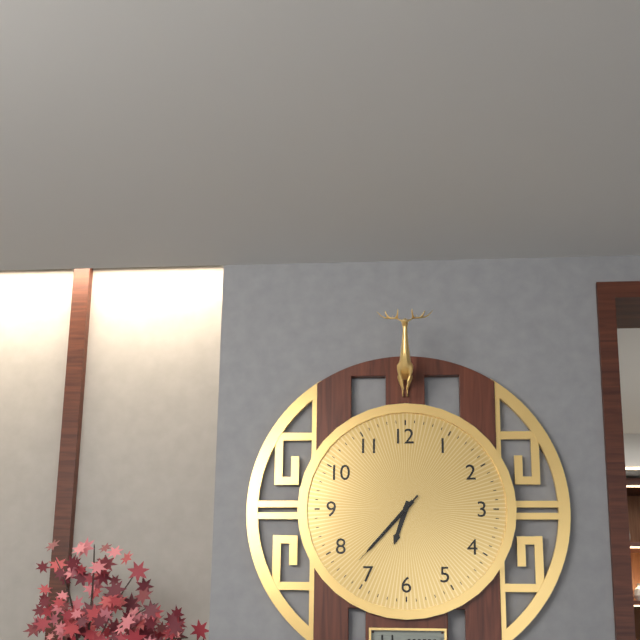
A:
h=6 m=37 s=37
